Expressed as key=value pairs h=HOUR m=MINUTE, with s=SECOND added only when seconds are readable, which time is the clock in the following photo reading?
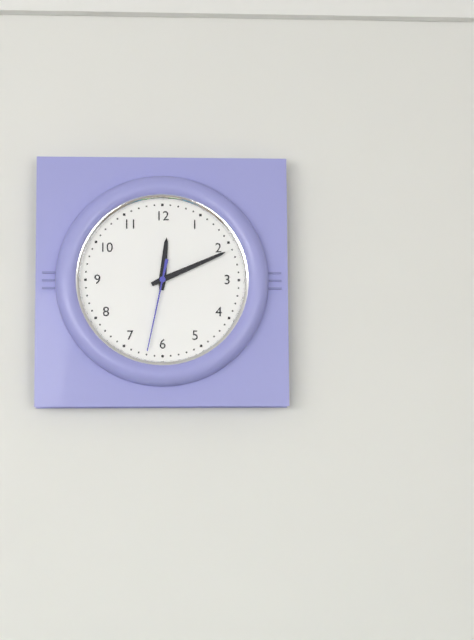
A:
h=12 m=11 s=32
